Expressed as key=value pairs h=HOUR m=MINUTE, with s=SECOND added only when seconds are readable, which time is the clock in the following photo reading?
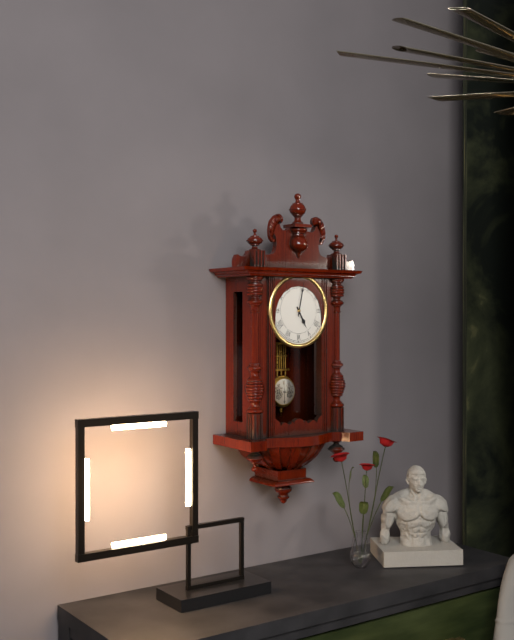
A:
h=5 m=2
